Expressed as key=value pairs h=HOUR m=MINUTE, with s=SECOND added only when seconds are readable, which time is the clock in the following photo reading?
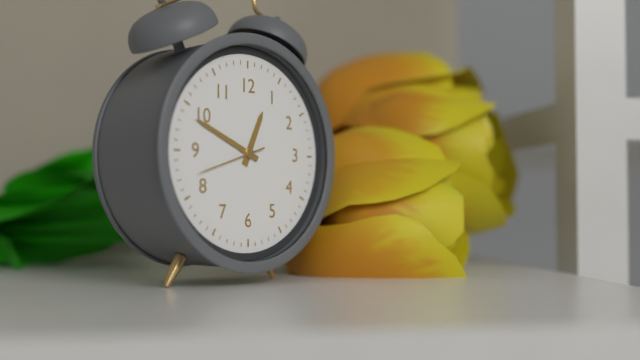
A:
h=12 m=49 s=42
